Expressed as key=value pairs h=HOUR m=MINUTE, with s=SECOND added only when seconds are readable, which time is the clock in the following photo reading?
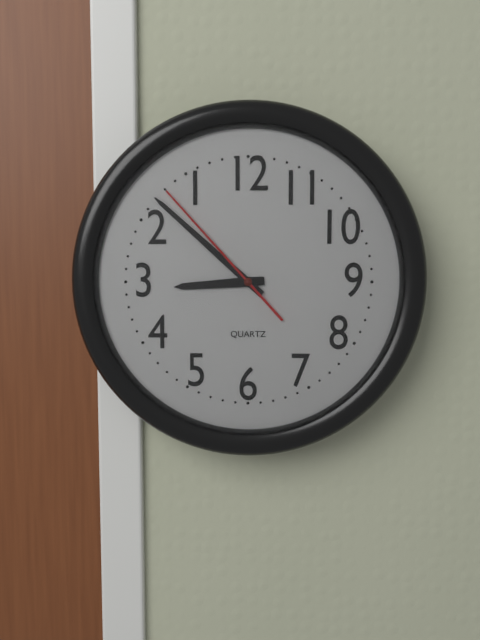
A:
h=8 m=52 s=53
